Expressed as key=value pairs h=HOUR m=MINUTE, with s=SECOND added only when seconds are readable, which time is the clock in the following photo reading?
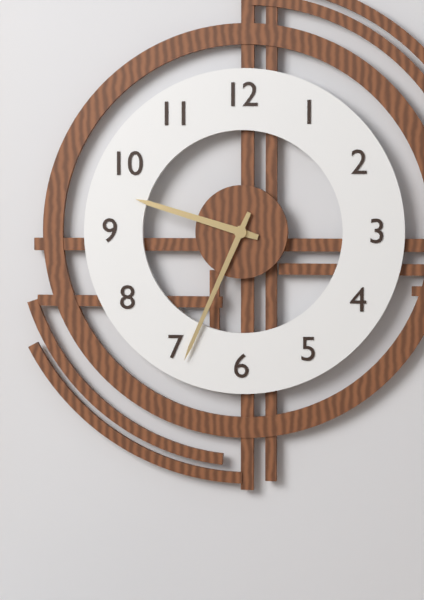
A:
h=9 m=34
